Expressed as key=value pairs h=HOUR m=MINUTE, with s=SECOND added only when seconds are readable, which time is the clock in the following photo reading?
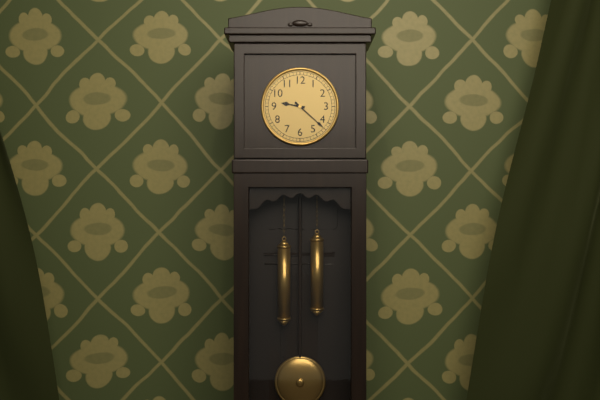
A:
h=9 m=22
